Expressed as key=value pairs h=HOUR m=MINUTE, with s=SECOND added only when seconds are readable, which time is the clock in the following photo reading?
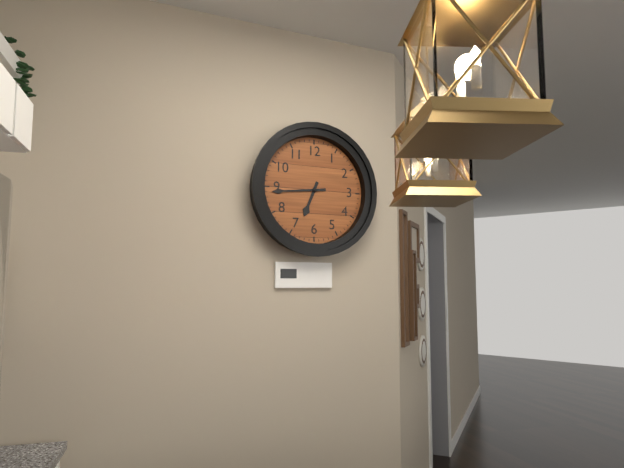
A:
h=6 m=44
